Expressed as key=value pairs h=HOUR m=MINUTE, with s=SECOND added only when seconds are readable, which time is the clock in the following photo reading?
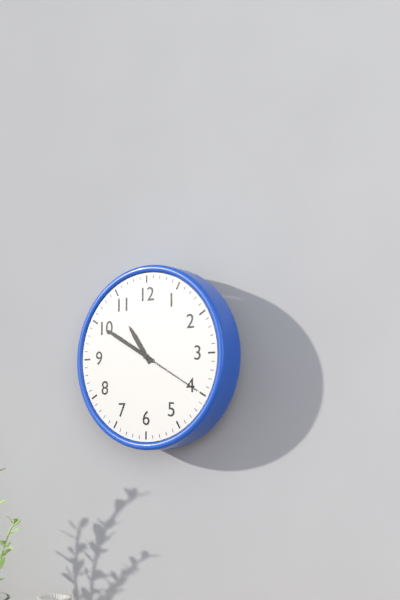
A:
h=10 m=50 s=20
